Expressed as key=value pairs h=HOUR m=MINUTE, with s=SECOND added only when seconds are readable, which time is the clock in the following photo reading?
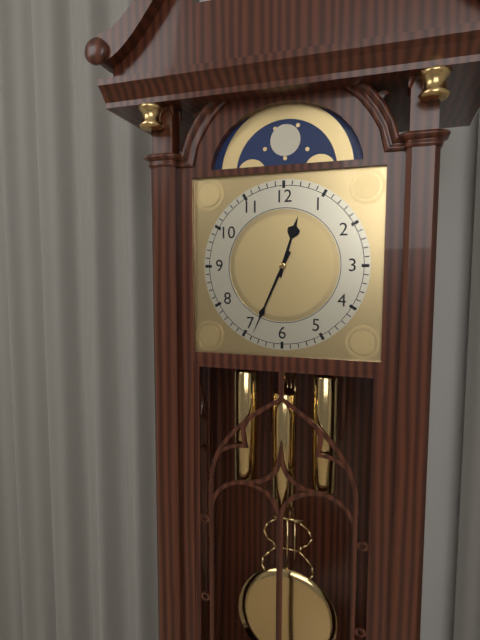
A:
h=12 m=34
